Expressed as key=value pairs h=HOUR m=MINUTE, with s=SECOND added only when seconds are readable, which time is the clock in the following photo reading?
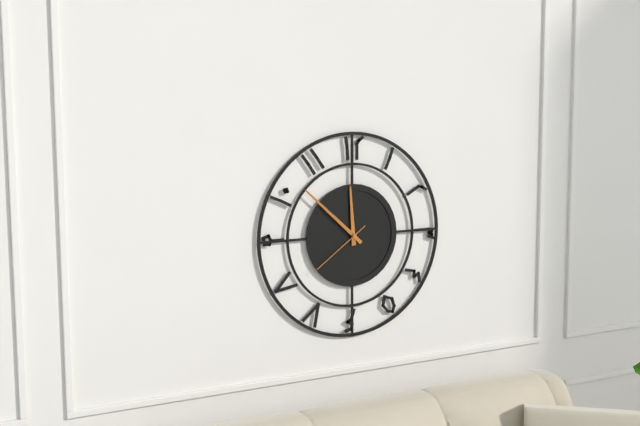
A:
h=11 m=52 s=39
